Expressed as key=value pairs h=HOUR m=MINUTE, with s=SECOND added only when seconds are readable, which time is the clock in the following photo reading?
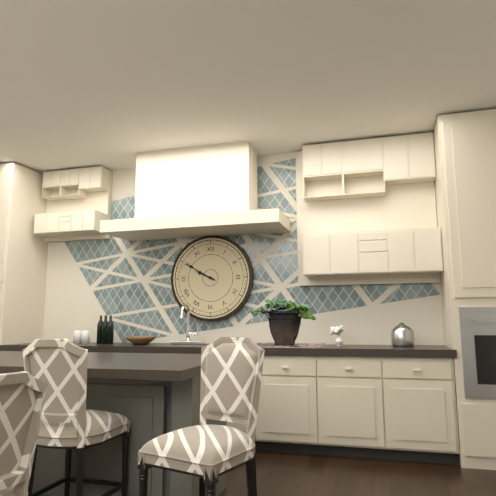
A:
h=9 m=50
